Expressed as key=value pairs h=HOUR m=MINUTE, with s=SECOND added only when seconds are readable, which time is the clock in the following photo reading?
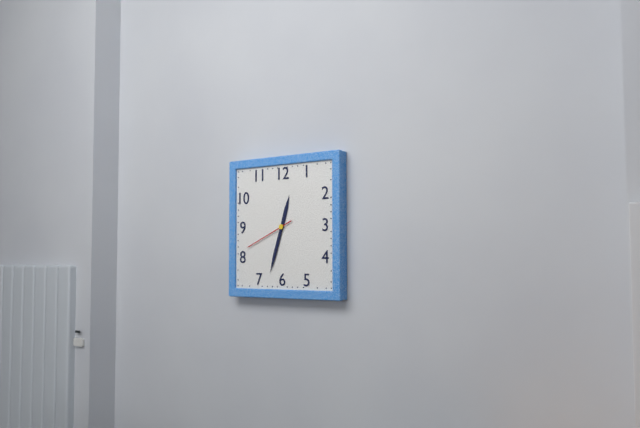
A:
h=12 m=33 s=41
